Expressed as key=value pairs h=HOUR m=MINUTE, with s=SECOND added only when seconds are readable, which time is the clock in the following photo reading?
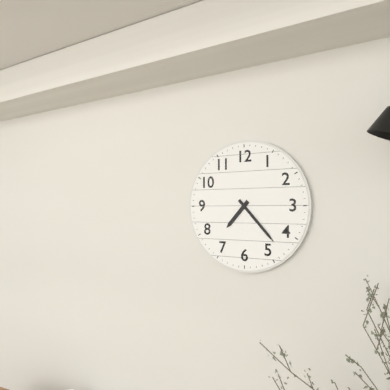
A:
h=7 m=23
